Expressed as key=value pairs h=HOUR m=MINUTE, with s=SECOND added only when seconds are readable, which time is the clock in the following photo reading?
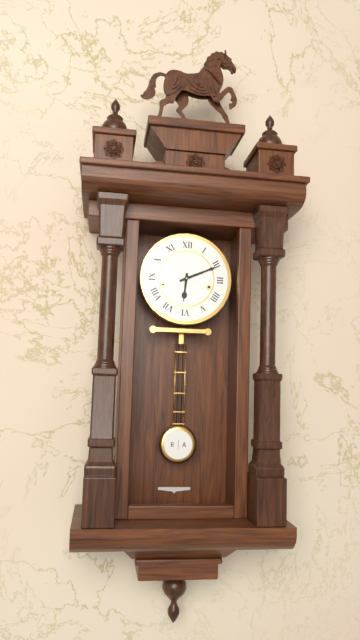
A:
h=6 m=11
